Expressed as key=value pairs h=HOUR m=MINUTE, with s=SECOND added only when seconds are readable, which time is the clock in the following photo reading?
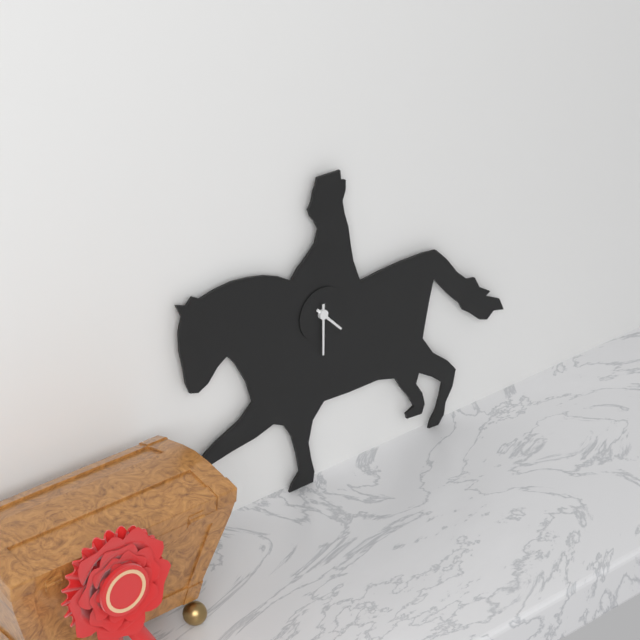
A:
h=4 m=30
